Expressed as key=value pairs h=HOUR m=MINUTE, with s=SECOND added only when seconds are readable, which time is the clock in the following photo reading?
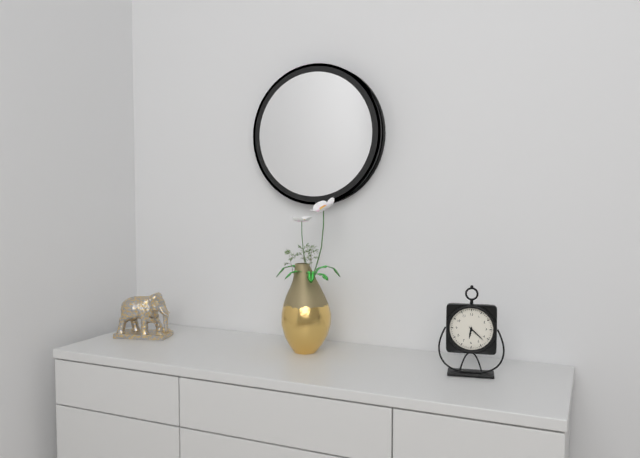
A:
h=6 m=22
